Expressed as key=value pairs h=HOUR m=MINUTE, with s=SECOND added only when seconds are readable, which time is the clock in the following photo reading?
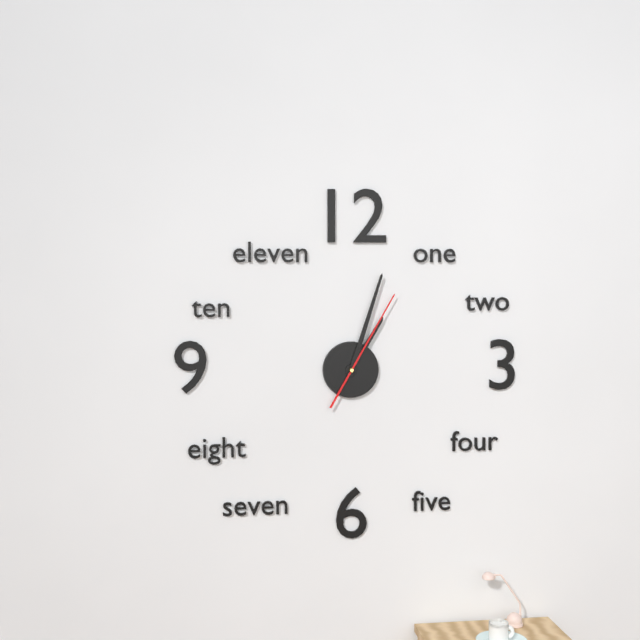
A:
h=1 m=3 s=5
